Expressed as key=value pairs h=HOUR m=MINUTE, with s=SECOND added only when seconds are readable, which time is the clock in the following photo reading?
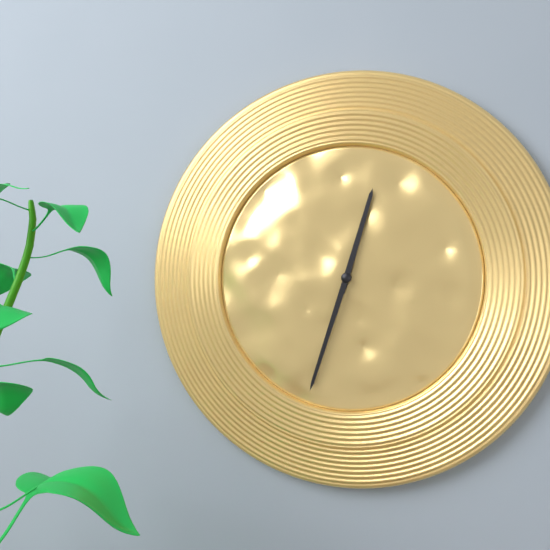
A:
h=12 m=33
